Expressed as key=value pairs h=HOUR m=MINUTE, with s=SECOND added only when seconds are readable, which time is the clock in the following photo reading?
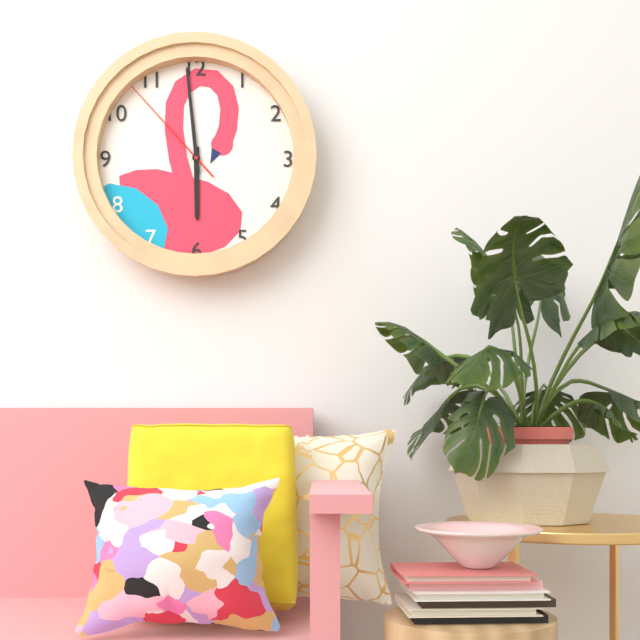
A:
h=5 m=59 s=53
